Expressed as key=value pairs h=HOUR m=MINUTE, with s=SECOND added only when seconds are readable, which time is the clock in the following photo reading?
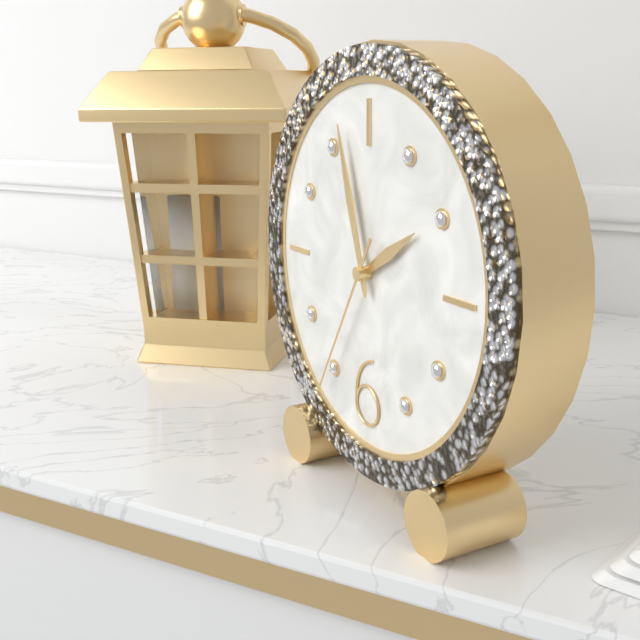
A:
h=1 m=57 s=35
